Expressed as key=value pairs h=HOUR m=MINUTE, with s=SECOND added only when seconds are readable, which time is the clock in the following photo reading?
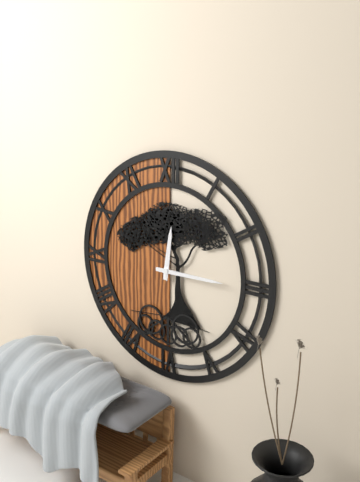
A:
h=12 m=15
